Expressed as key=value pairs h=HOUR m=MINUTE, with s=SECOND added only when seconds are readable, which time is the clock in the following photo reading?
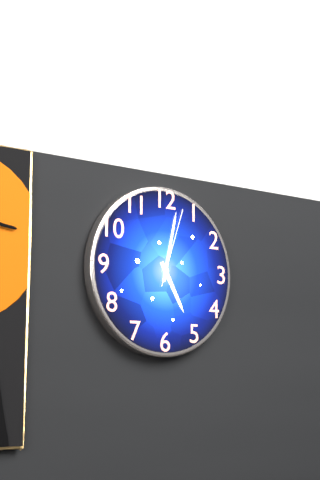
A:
h=5 m=2 s=3
